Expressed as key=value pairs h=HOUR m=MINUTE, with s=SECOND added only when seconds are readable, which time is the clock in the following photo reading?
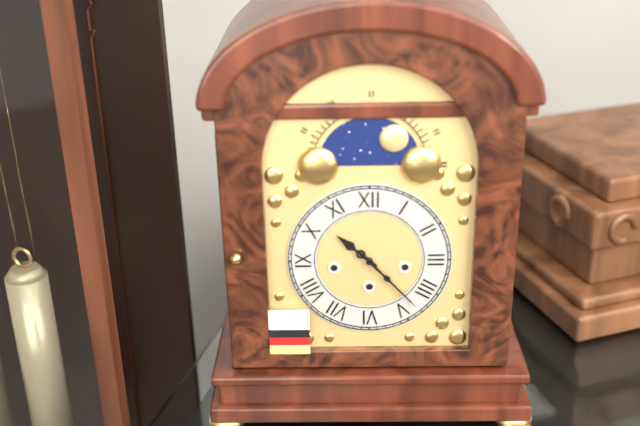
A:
h=10 m=23
